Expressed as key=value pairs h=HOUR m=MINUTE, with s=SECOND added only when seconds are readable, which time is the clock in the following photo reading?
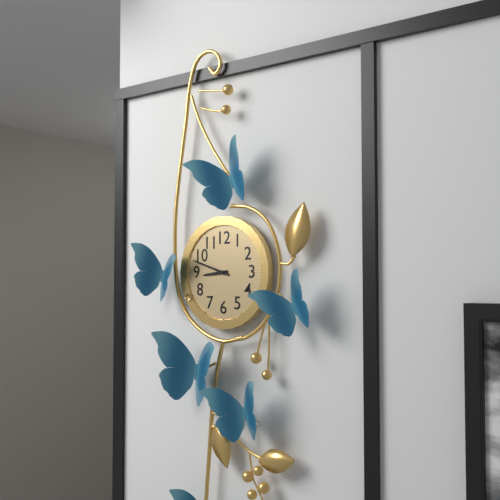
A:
h=8 m=48
